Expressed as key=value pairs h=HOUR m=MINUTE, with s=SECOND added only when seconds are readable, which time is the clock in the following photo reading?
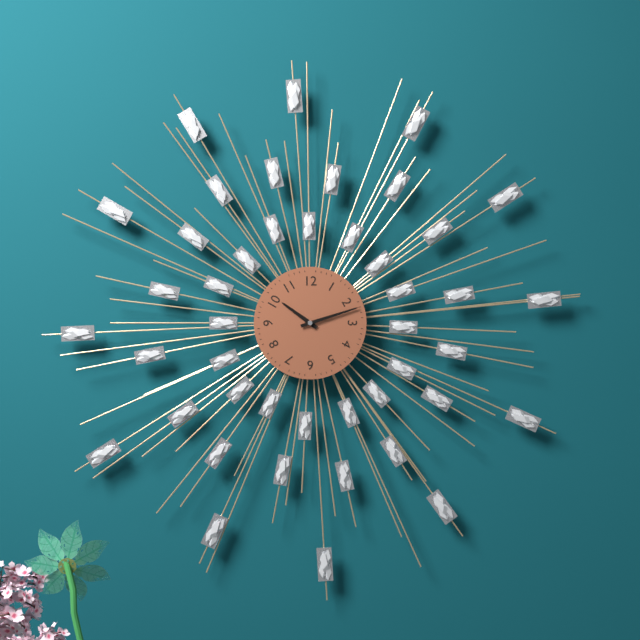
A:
h=10 m=12
